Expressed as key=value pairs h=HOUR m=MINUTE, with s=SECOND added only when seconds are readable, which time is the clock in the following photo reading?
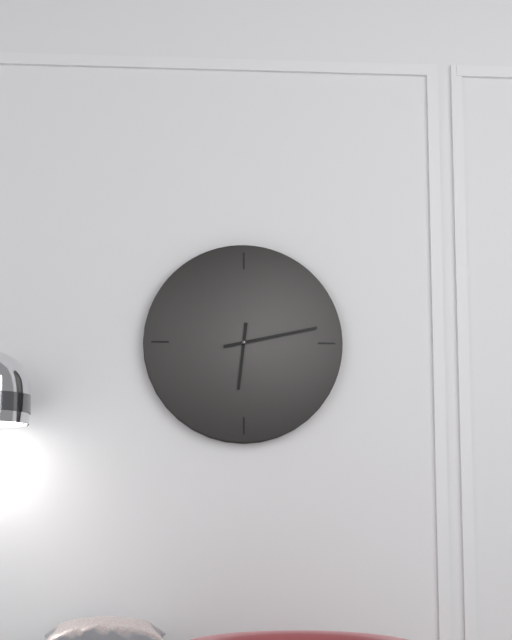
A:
h=6 m=13
